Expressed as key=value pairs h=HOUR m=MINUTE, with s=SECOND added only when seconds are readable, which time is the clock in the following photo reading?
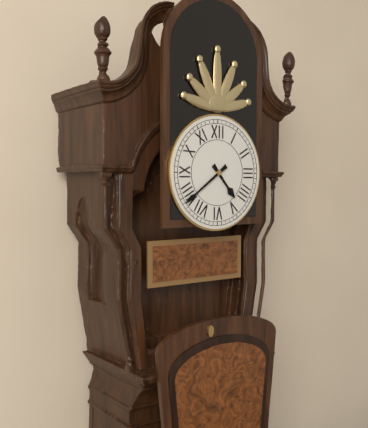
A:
h=4 m=39
